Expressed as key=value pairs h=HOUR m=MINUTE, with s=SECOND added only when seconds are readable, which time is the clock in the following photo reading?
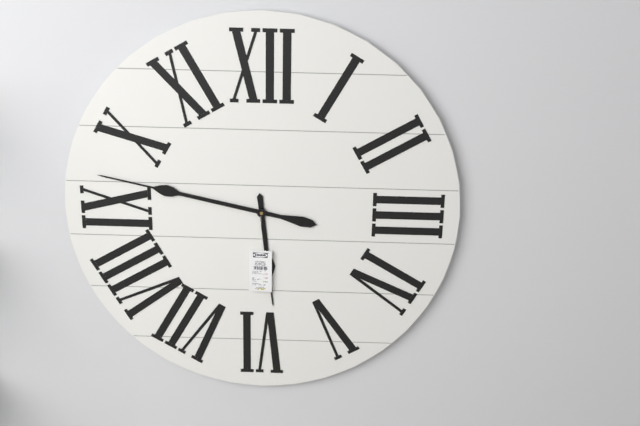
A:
h=5 m=47
